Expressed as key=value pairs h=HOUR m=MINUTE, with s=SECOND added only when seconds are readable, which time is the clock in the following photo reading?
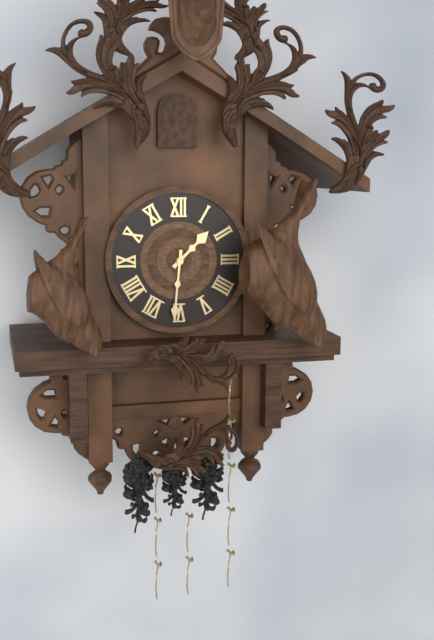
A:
h=1 m=31
